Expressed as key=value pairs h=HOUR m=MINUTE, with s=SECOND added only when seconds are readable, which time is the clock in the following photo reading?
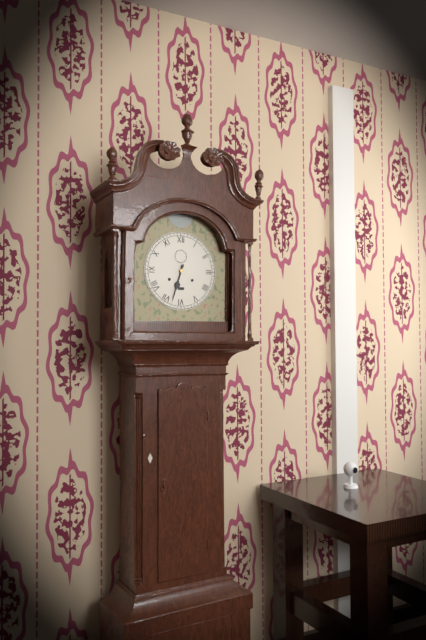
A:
h=6 m=33
